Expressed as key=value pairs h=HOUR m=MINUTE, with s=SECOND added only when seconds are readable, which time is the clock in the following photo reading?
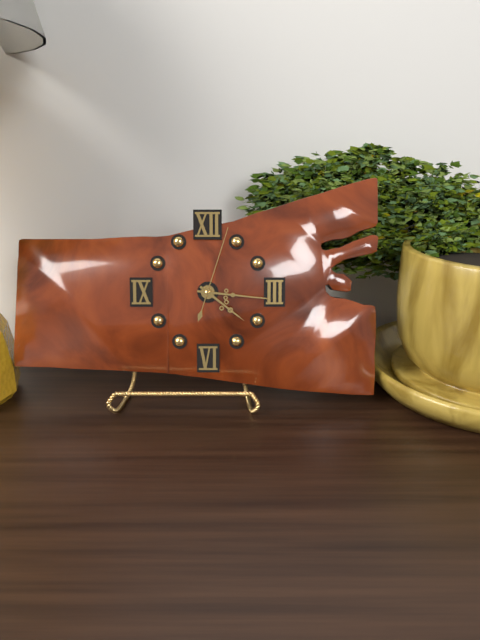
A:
h=4 m=16 s=3
